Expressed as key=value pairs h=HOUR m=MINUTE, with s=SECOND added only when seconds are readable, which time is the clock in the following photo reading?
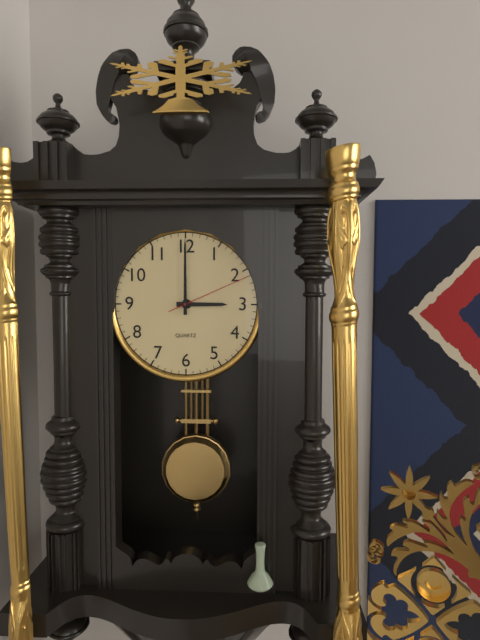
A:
h=3 m=0 s=11
